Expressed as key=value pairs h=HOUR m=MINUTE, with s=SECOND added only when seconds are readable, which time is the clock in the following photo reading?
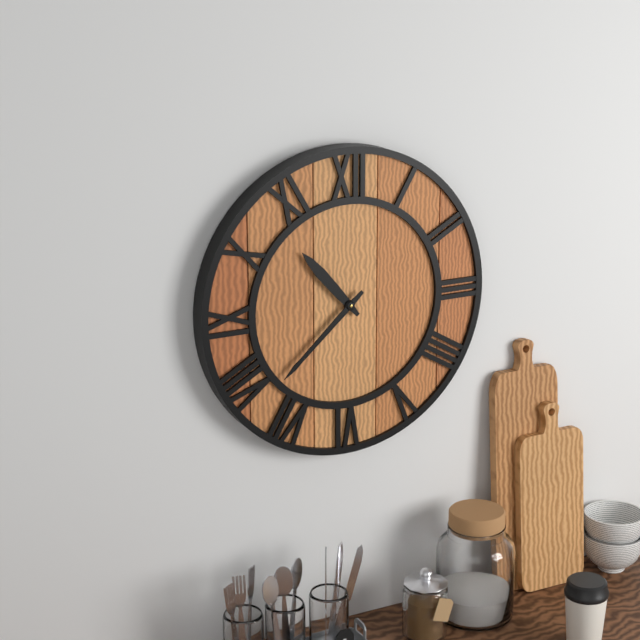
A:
h=10 m=38
